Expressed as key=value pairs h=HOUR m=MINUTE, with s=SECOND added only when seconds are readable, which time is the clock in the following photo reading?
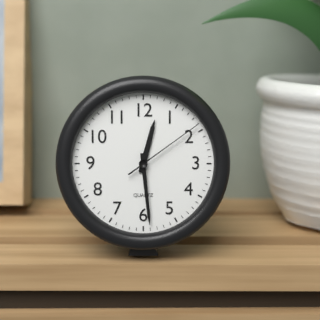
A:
h=12 m=29 s=9
